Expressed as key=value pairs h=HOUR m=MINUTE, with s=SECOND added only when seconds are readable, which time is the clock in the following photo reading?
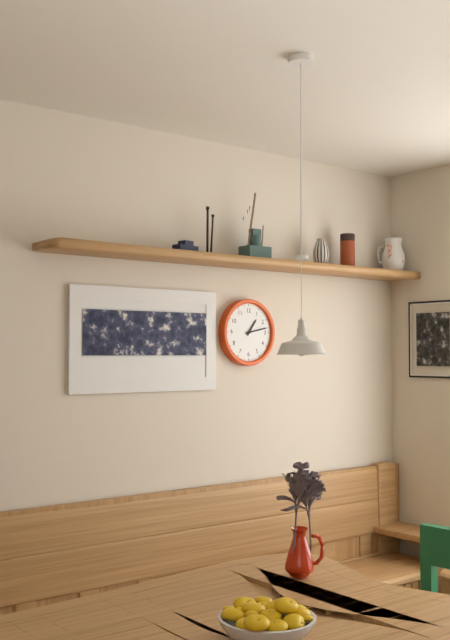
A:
h=1 m=13
